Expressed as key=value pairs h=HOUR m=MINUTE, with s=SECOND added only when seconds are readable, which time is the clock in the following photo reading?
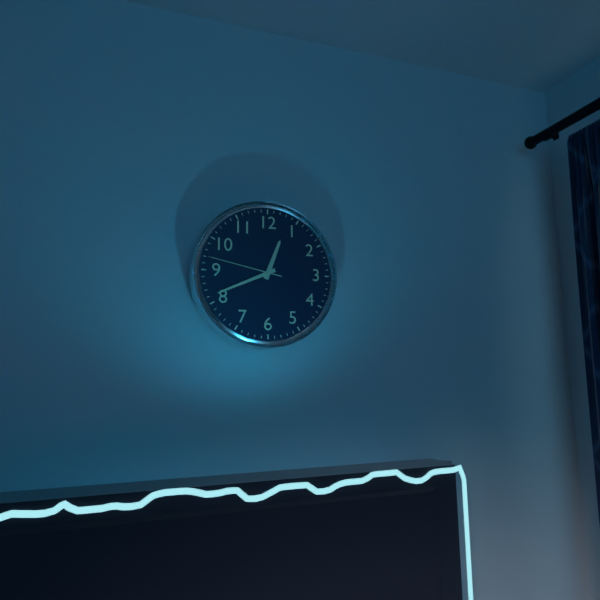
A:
h=12 m=41 s=47
